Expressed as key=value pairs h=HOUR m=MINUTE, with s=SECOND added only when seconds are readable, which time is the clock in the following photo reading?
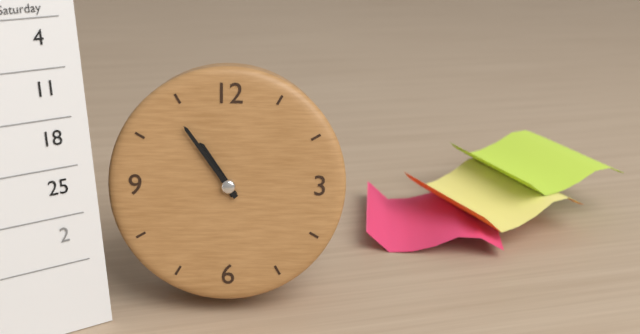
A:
h=10 m=54
